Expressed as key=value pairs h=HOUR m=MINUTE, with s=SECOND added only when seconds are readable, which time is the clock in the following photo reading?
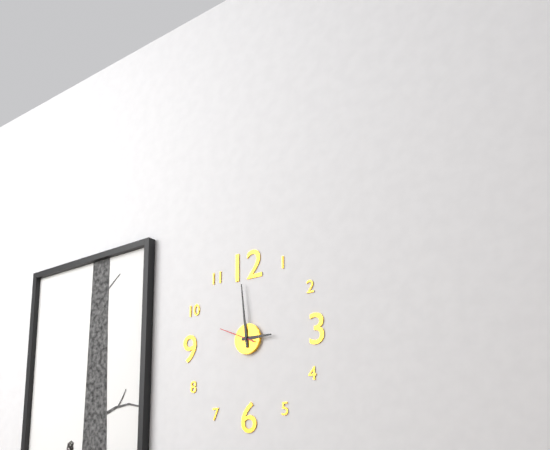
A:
h=2 m=59
